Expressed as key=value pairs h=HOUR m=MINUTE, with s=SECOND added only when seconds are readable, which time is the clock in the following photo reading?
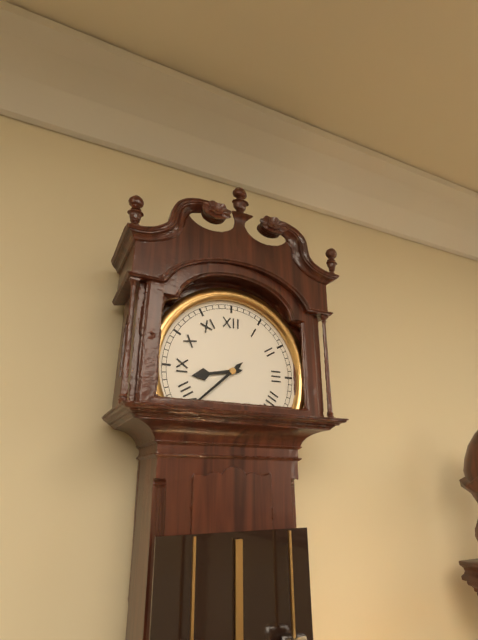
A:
h=8 m=38
